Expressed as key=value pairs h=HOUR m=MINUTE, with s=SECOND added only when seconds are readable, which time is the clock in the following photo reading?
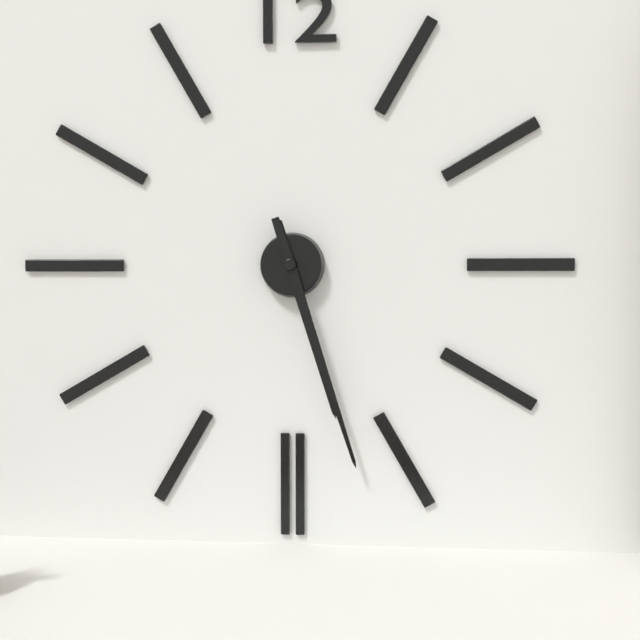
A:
h=5 m=27
